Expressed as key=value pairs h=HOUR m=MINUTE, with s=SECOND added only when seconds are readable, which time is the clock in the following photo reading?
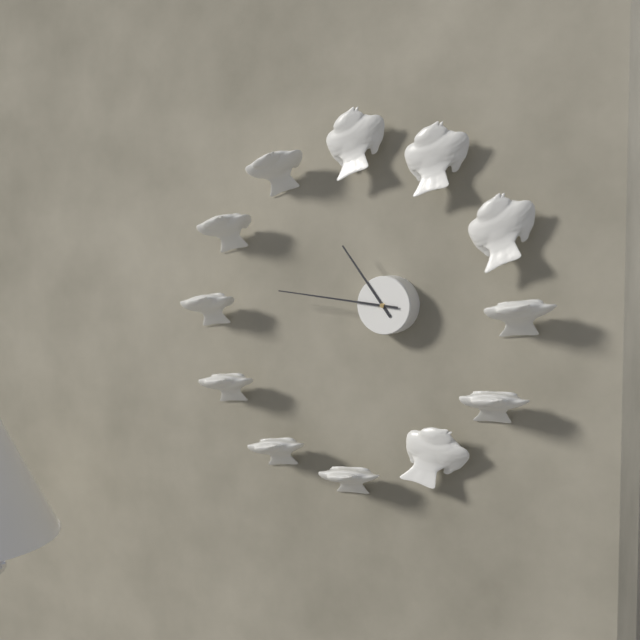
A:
h=10 m=46
